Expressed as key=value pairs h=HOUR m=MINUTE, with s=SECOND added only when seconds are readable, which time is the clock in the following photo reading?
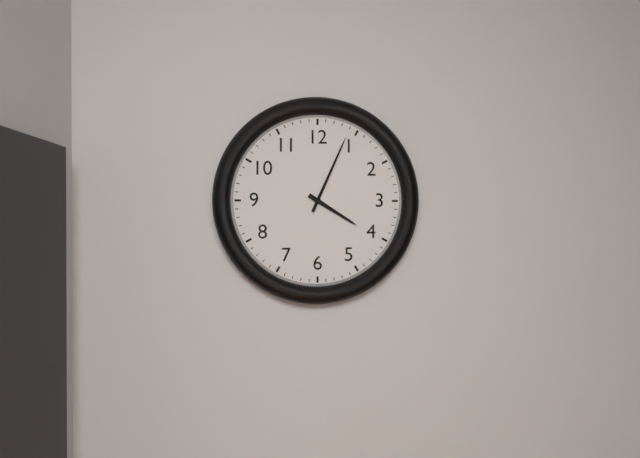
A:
h=4 m=4
